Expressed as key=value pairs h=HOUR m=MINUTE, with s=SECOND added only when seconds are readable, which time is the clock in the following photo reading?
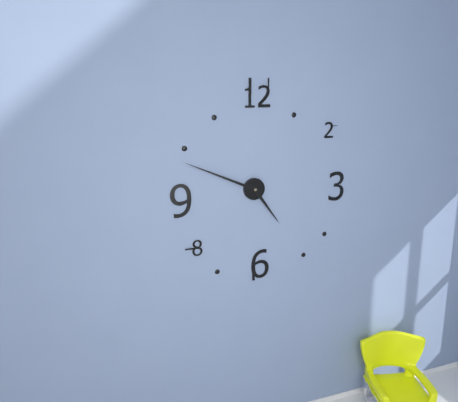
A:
h=4 m=49
